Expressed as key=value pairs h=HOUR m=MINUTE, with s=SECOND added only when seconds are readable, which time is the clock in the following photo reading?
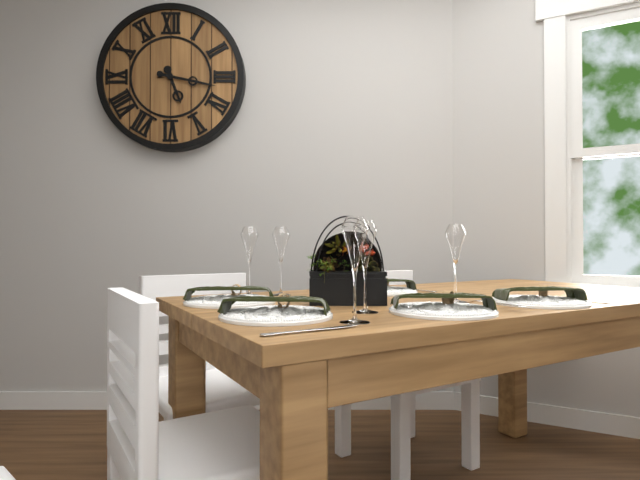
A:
h=5 m=17
